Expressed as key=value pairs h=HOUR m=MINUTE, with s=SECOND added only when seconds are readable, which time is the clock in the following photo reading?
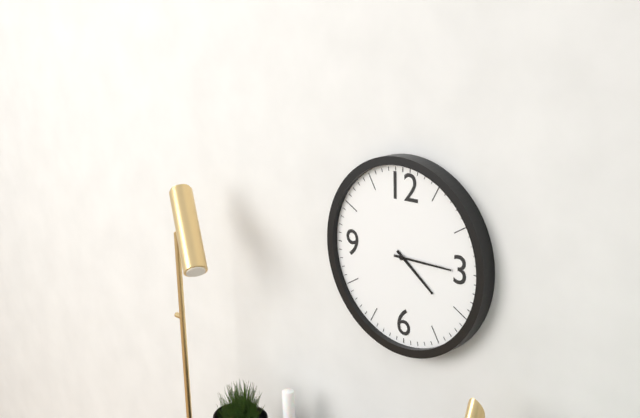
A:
h=4 m=15
